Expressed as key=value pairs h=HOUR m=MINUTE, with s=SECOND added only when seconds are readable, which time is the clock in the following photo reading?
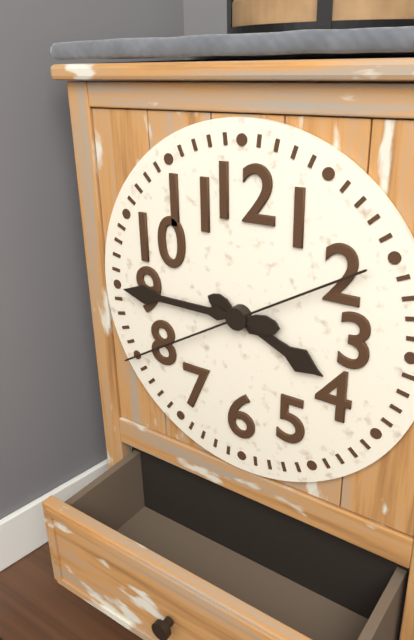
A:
h=3 m=45 s=40
